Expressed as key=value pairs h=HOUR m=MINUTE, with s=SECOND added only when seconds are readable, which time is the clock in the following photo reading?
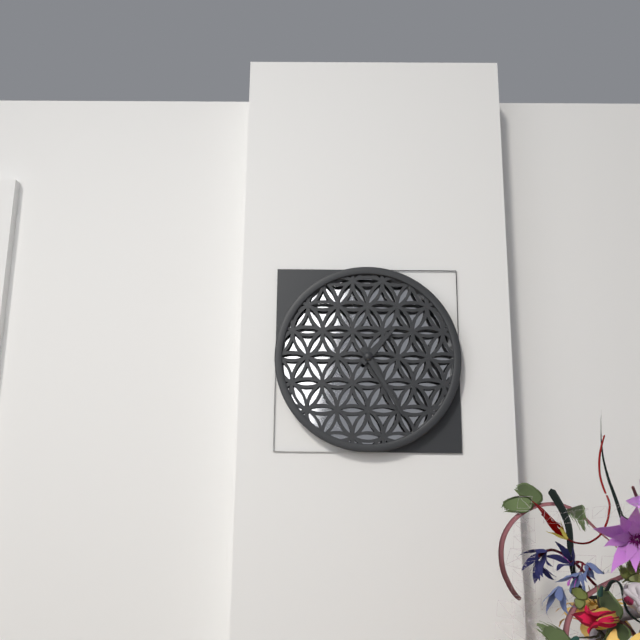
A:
h=1 m=25
